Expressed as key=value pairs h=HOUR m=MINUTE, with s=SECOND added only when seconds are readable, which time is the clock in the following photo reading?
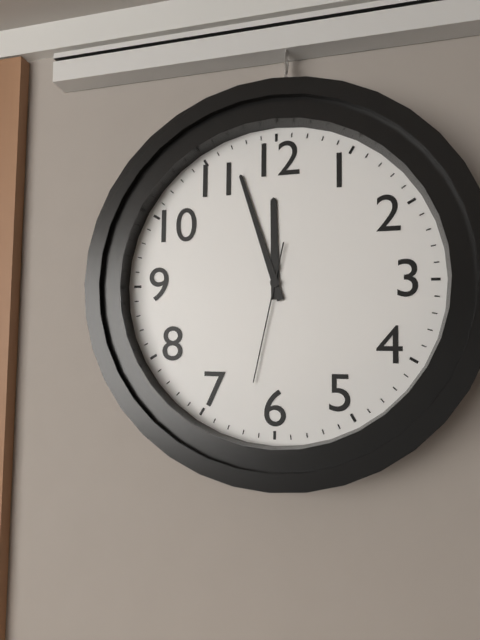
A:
h=11 m=57 s=32
